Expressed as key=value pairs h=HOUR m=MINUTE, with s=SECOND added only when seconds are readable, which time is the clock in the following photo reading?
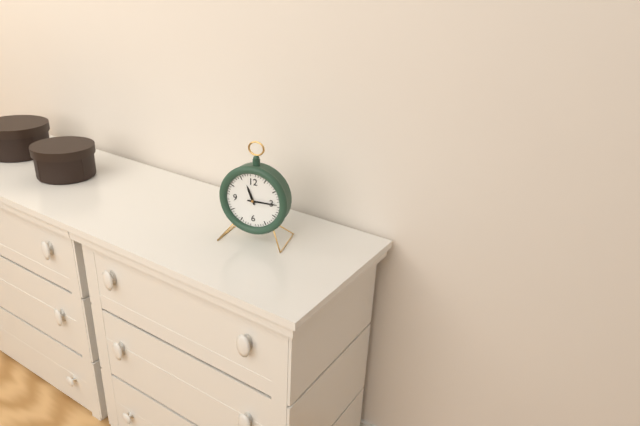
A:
h=11 m=15
